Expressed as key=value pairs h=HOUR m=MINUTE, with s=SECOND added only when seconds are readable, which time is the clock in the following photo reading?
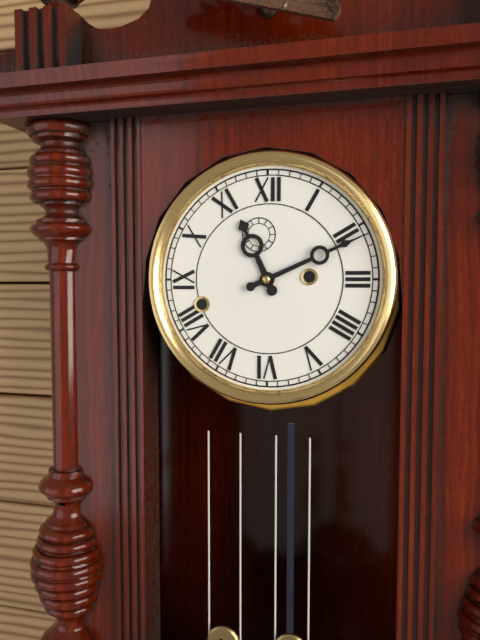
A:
h=11 m=11
